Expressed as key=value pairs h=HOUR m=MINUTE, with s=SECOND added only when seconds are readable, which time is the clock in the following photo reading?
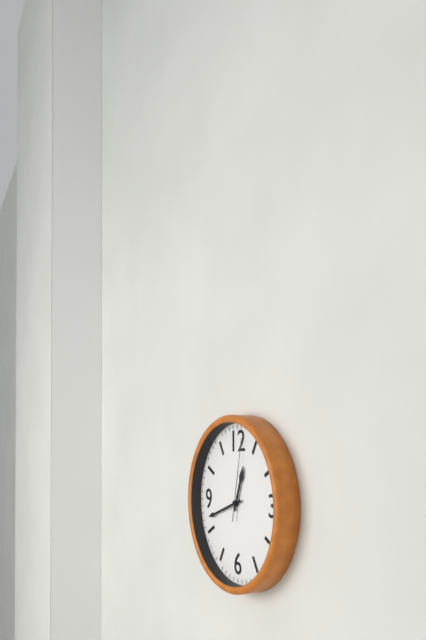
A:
h=12 m=42 s=2
